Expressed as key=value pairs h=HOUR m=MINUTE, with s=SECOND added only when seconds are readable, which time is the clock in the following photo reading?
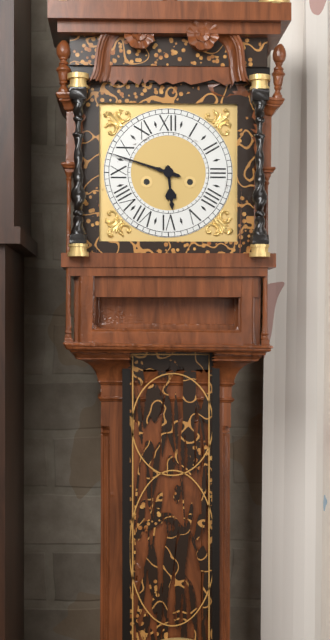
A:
h=5 m=48
